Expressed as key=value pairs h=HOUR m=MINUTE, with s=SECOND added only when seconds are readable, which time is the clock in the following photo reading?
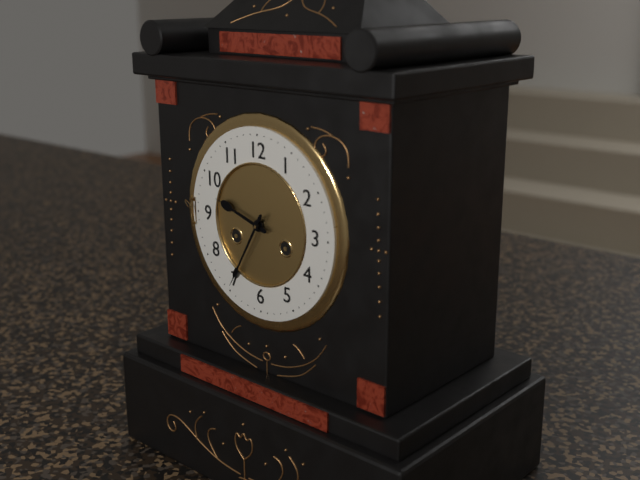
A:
h=9 m=35
